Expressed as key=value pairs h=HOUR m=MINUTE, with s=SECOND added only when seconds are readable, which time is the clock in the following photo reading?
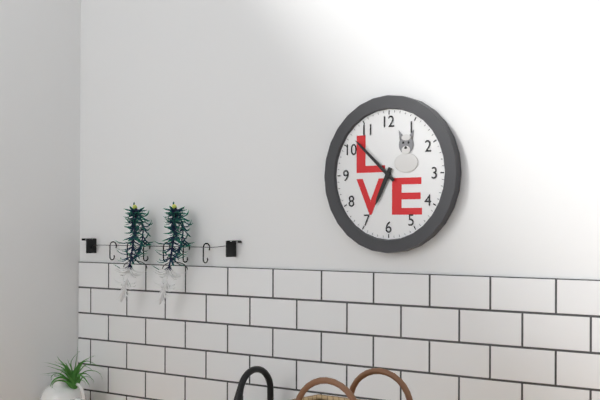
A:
h=6 m=52
